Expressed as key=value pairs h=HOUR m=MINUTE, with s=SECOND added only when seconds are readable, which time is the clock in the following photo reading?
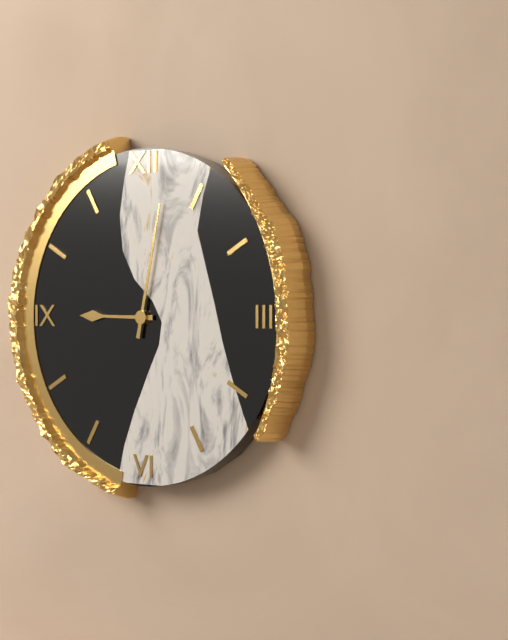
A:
h=9 m=2
